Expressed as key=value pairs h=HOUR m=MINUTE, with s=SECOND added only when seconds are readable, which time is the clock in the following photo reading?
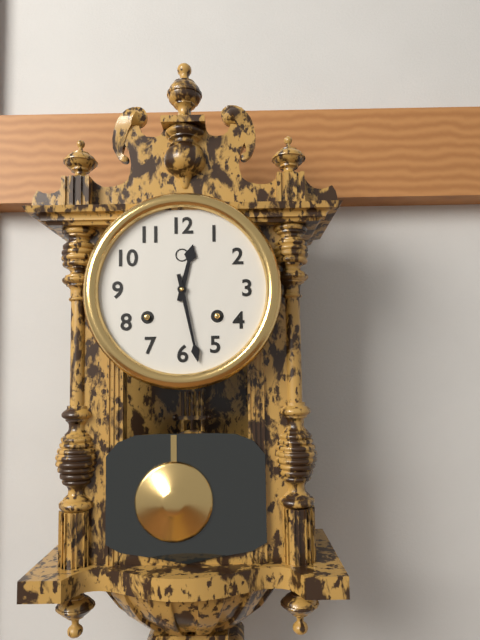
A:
h=12 m=28
